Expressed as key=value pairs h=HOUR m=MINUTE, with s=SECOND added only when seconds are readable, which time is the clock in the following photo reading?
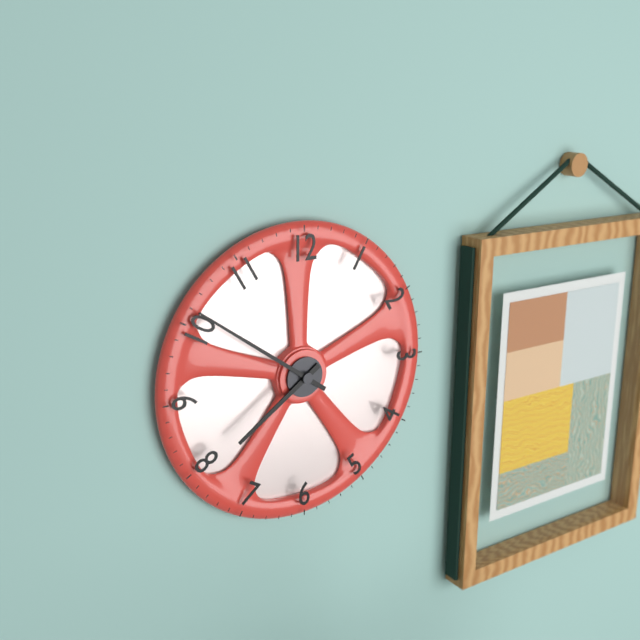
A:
h=7 m=51
